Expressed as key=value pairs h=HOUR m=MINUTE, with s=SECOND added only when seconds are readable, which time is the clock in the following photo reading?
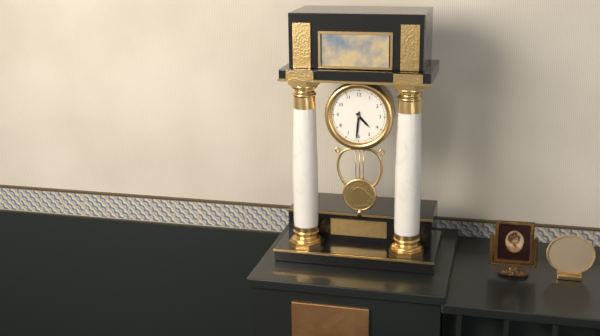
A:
h=4 m=31
